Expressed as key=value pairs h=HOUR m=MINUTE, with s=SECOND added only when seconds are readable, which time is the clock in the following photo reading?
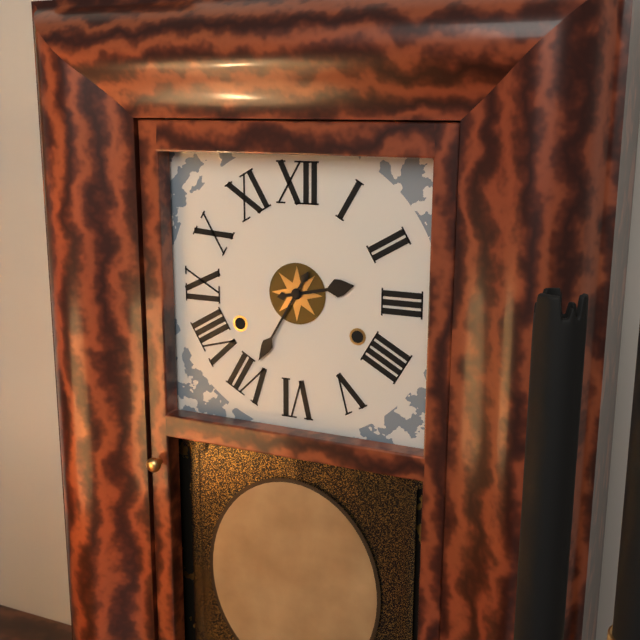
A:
h=2 m=35
